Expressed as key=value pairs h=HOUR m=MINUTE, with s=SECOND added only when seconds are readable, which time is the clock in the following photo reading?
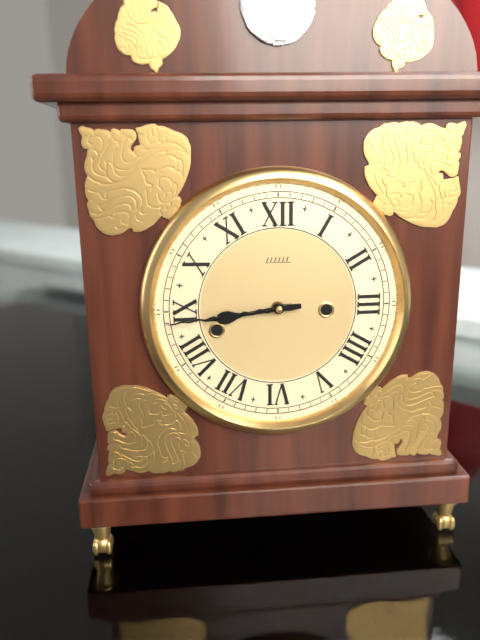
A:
h=8 m=44
